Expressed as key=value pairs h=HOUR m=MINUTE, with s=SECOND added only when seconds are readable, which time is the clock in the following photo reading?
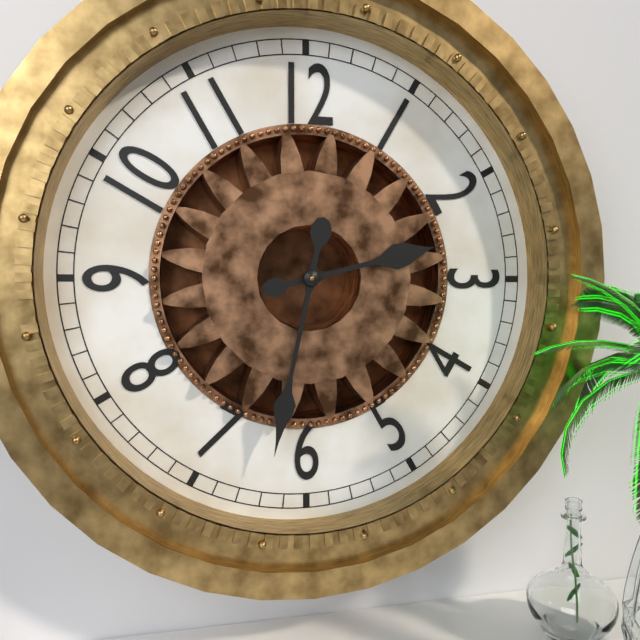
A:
h=2 m=32
